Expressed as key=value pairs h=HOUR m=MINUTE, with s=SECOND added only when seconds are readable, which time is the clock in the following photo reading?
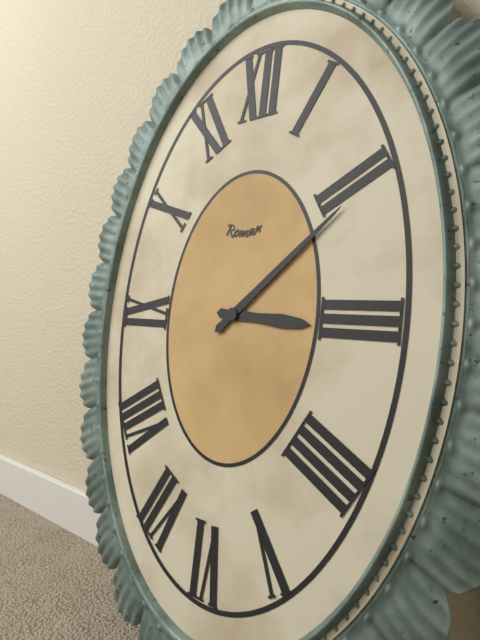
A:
h=3 m=8
